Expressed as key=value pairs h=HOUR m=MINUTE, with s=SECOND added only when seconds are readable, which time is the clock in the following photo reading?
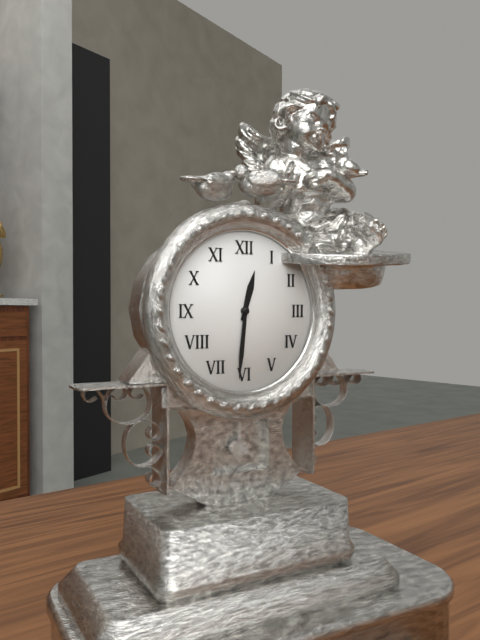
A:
h=12 m=31
